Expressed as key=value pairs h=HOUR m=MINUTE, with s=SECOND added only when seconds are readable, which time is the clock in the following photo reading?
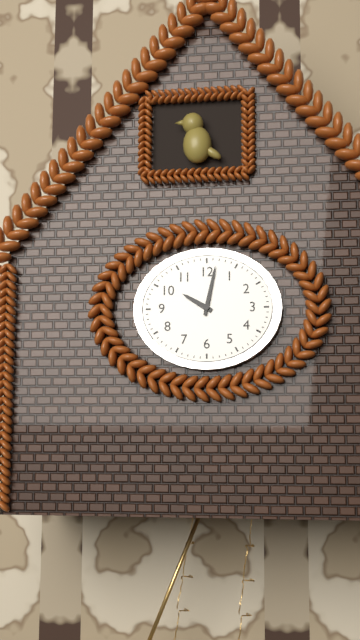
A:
h=10 m=2
